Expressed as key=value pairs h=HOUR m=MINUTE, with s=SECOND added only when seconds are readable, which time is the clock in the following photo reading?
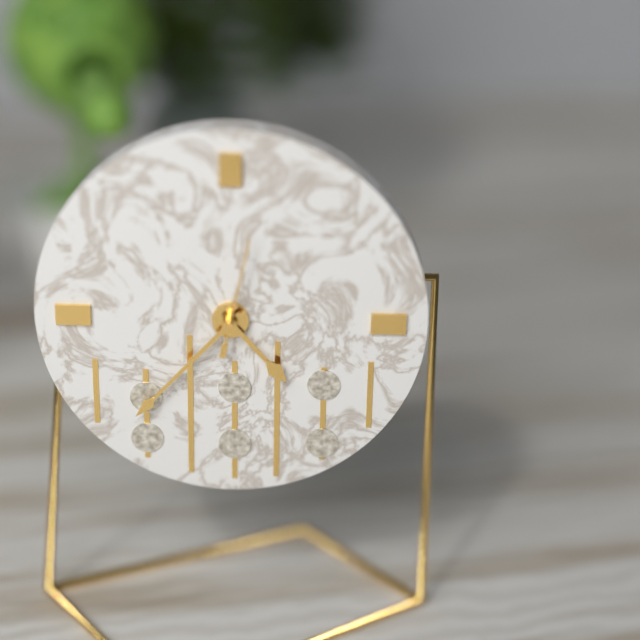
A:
h=4 m=37 s=2
